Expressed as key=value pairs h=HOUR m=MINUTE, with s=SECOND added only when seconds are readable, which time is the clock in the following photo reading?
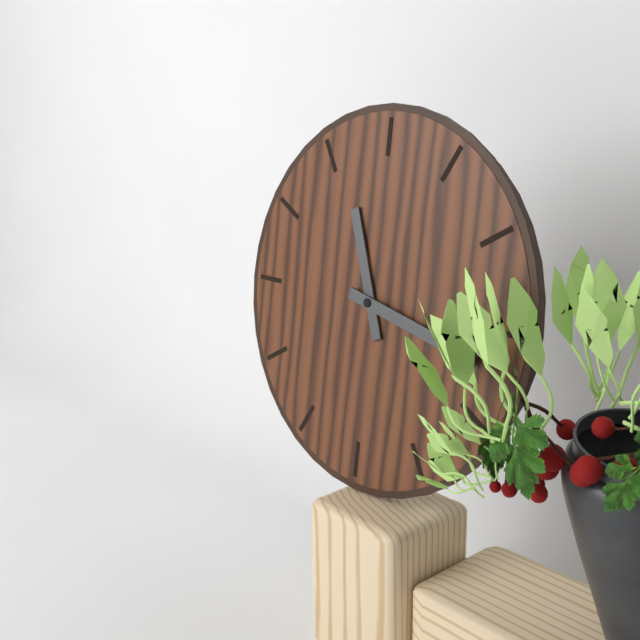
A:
h=11 m=17
